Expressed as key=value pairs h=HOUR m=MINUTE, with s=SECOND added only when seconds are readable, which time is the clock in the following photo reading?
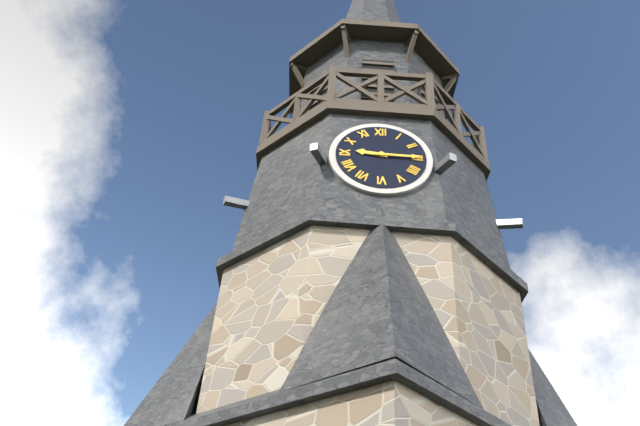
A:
h=9 m=15
